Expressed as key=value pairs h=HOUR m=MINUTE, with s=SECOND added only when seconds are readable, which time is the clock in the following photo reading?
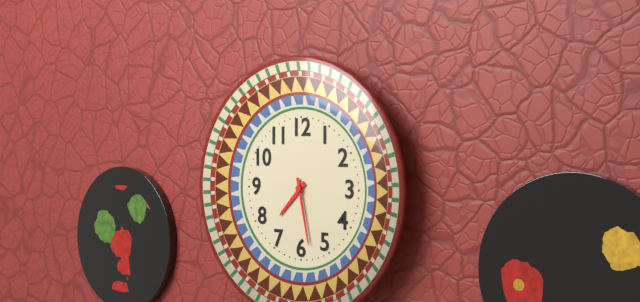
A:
h=7 m=28
